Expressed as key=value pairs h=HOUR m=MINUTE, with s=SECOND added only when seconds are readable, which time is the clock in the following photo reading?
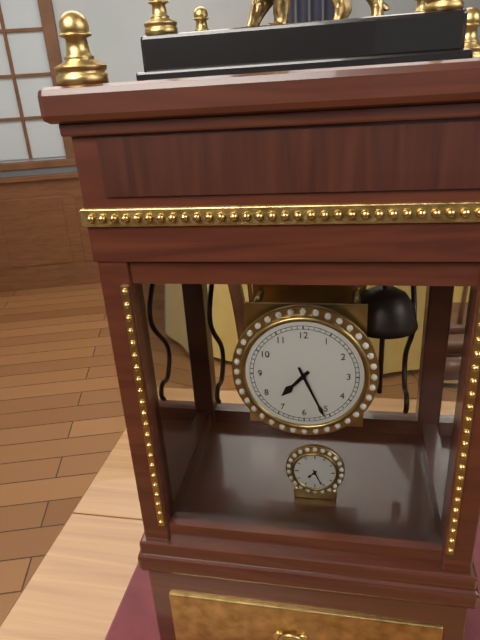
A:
h=7 m=26
